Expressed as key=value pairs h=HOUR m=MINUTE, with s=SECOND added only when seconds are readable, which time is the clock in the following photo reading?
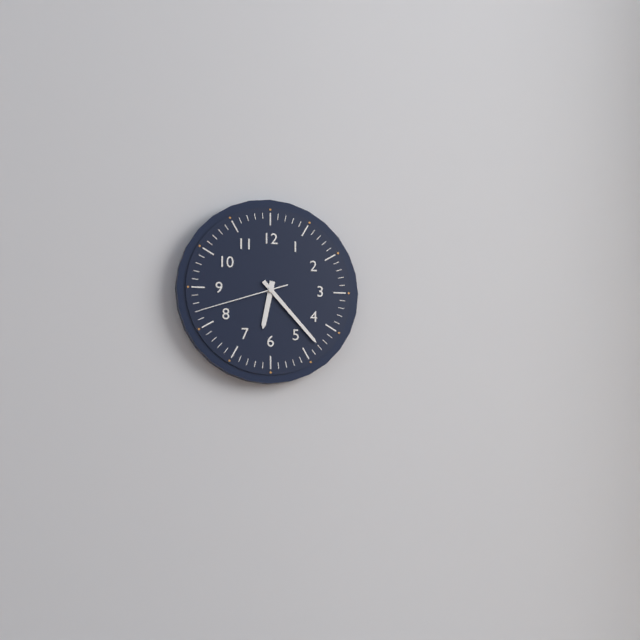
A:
h=6 m=23 s=42
